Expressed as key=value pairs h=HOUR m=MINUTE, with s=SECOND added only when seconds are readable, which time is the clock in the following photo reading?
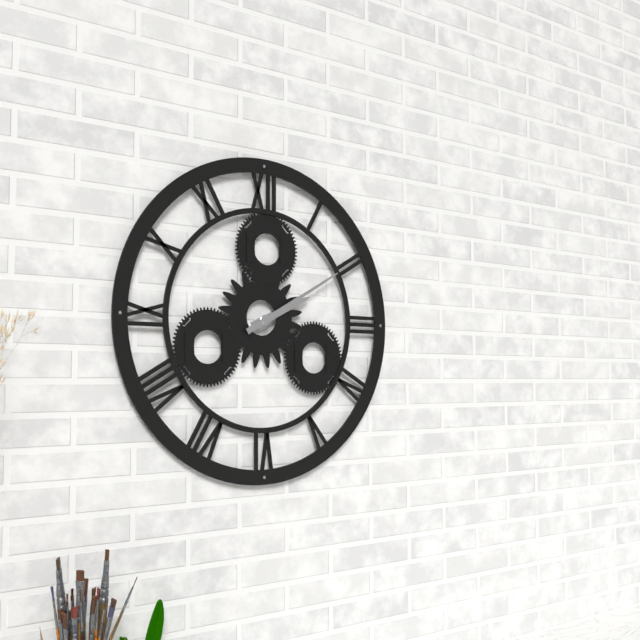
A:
h=2 m=10
